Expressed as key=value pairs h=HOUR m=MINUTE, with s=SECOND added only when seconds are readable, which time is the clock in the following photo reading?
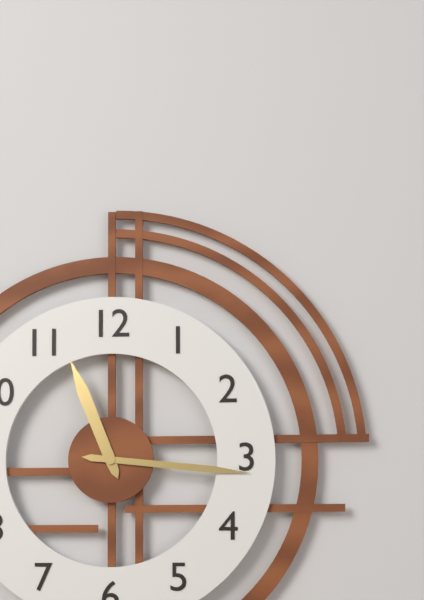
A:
h=11 m=16
